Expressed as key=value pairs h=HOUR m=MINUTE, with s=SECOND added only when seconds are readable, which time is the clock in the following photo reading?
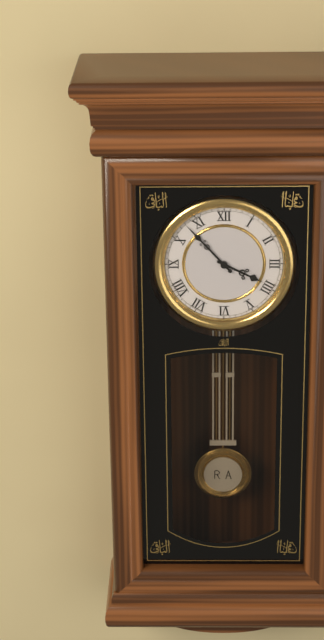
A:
h=3 m=53
